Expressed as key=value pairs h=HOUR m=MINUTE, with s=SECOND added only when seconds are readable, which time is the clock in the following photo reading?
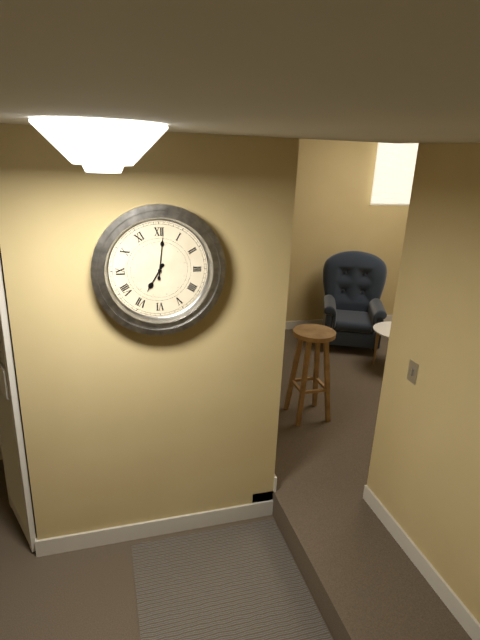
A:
h=7 m=1
